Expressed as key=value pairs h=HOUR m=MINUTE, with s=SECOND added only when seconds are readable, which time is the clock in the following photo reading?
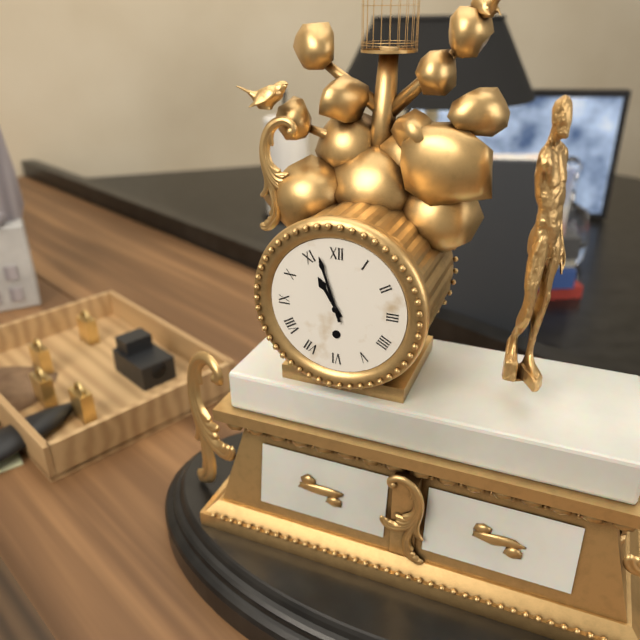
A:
h=10 m=57
